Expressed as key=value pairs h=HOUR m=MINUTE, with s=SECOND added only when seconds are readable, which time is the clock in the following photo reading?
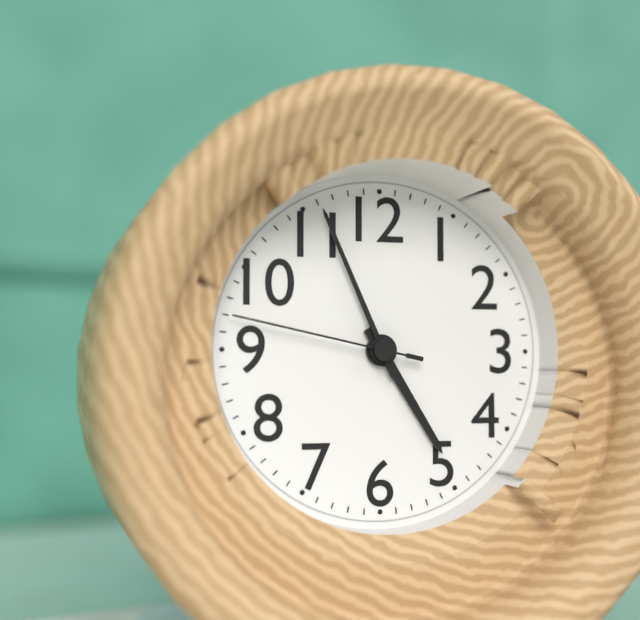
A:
h=4 m=56 s=47
